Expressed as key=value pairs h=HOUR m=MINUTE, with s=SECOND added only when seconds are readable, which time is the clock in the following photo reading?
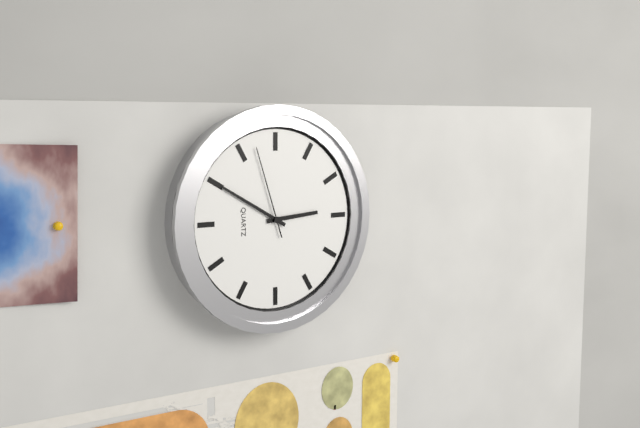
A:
h=2 m=50 s=57
